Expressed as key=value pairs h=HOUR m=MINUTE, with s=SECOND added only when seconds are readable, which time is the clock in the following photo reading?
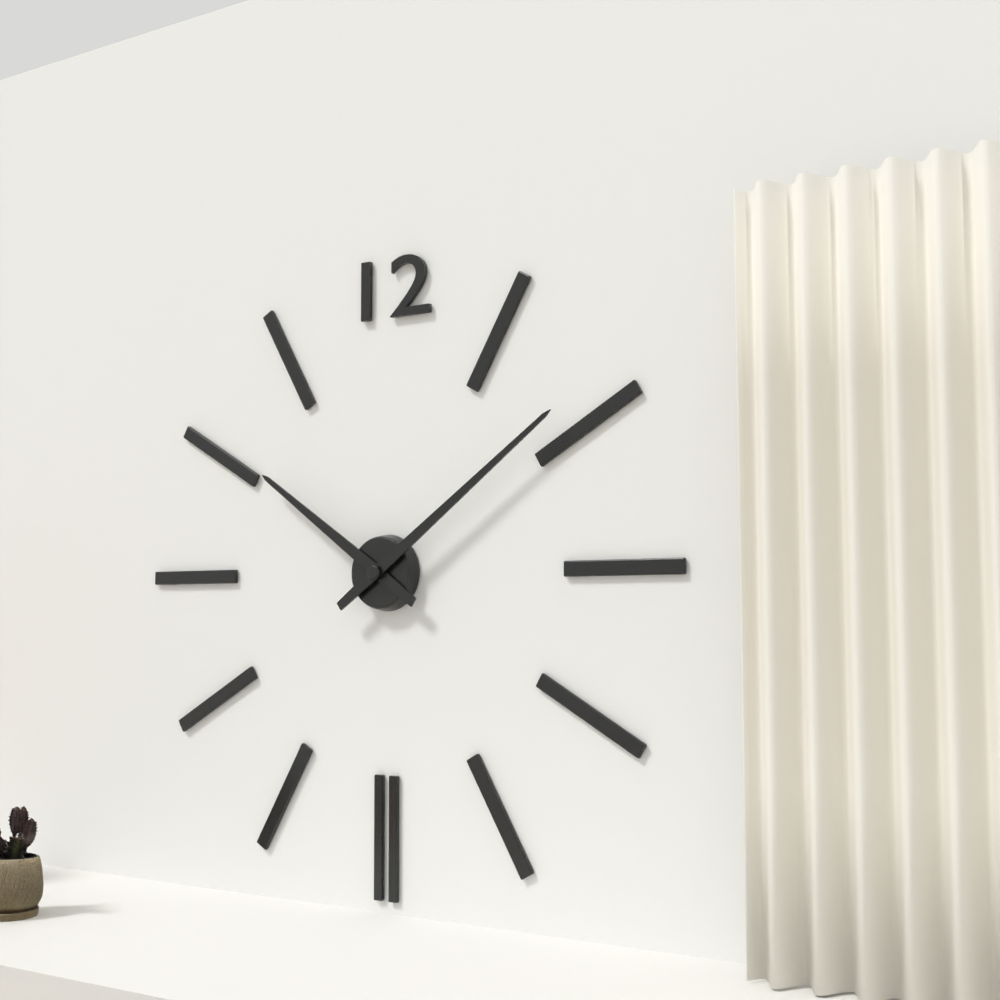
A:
h=10 m=9
